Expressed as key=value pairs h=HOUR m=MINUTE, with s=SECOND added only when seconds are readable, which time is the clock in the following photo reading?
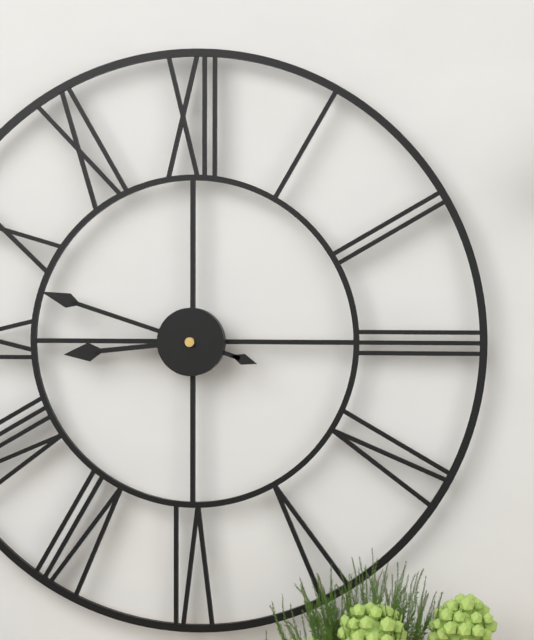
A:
h=8 m=48
